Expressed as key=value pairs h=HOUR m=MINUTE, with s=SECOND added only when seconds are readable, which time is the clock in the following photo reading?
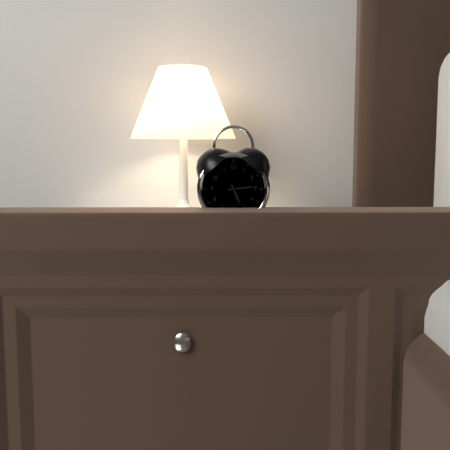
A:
h=5 m=14
